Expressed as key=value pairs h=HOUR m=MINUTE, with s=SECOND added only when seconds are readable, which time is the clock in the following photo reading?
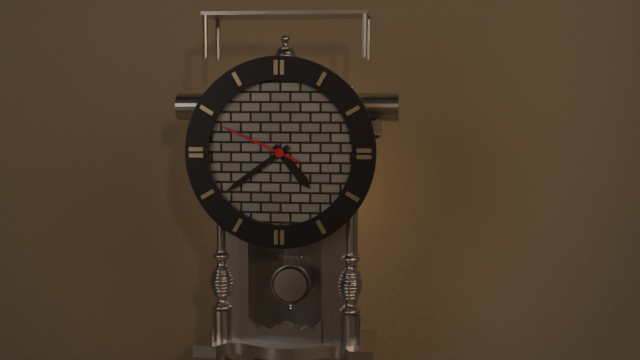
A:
h=4 m=39 s=49
